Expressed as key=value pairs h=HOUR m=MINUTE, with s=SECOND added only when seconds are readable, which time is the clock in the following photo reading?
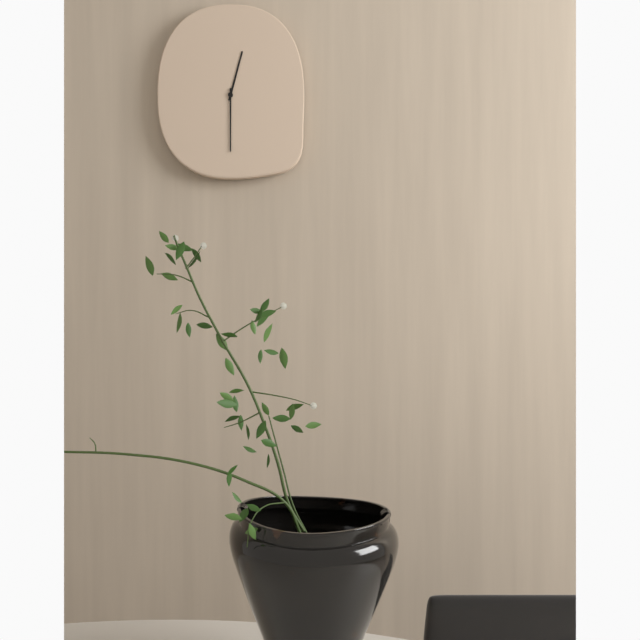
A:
h=12 m=30
